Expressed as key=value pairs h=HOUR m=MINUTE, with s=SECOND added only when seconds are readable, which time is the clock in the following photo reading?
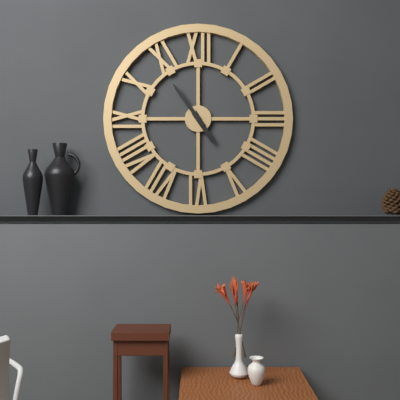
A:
h=4 m=54
